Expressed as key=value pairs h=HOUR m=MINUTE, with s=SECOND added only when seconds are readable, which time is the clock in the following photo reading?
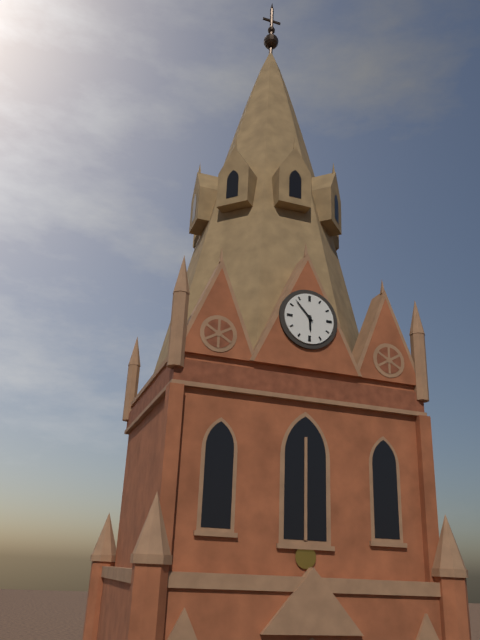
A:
h=5 m=53
